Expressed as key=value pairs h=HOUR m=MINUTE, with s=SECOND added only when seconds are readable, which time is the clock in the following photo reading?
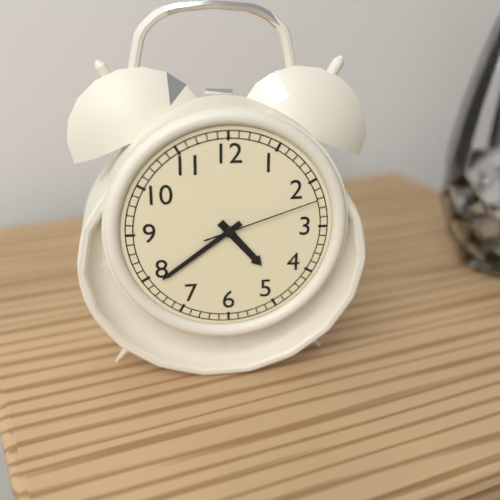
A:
h=4 m=39 s=12
